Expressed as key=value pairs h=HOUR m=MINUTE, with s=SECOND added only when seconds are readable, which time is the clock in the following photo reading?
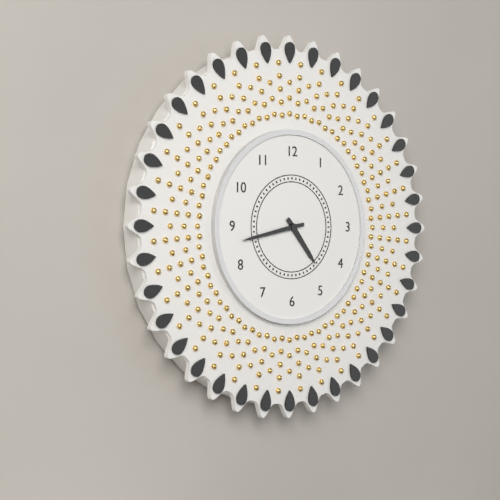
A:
h=4 m=43
